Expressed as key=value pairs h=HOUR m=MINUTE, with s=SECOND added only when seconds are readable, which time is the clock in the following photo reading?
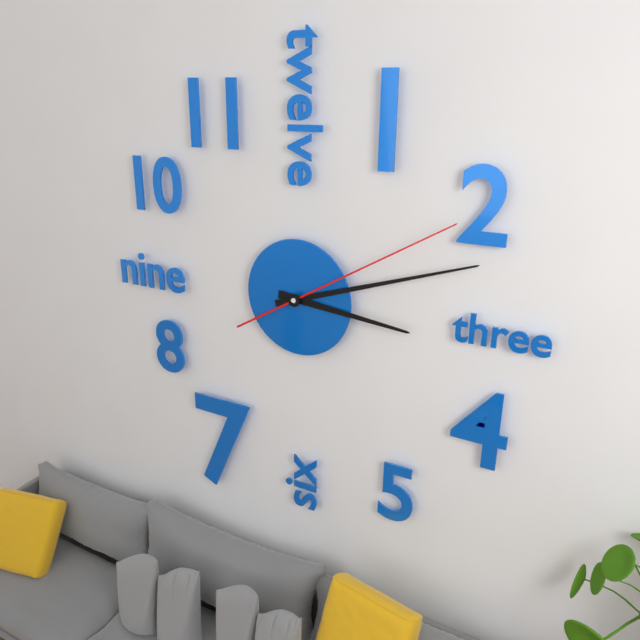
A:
h=3 m=12 s=10
